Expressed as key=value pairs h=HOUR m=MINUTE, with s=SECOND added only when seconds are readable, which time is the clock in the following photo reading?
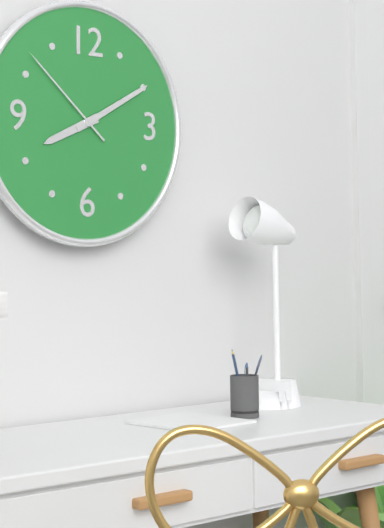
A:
h=8 m=10 s=52
